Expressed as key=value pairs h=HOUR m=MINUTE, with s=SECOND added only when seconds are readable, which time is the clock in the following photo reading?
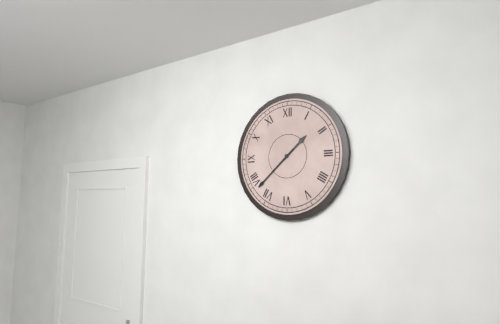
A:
h=1 m=38
